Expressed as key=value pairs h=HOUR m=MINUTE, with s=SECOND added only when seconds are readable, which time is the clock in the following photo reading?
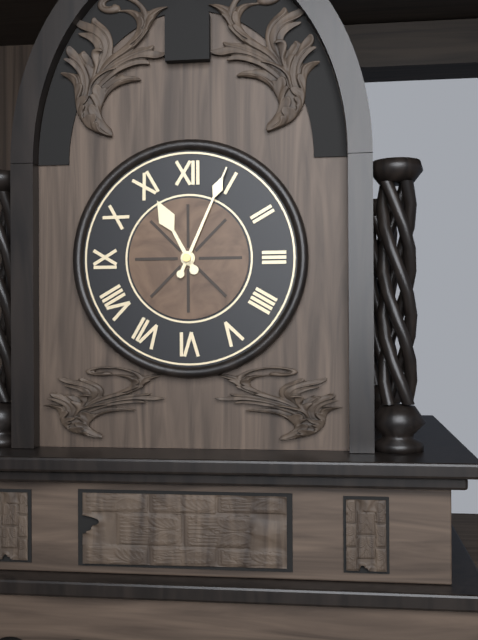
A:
h=11 m=4
